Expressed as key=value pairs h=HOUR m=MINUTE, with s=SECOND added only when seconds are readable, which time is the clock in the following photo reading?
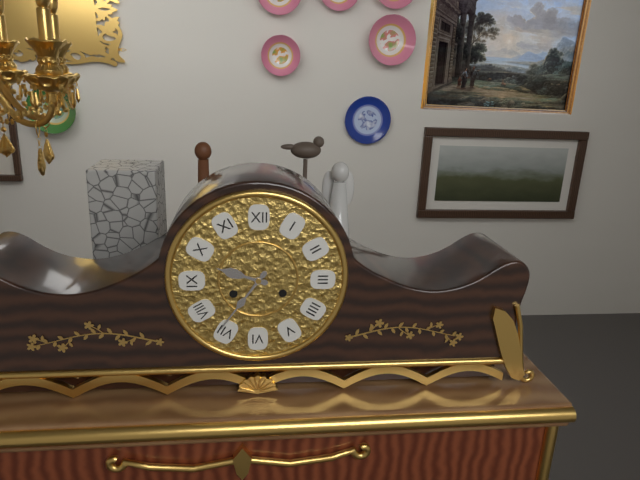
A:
h=9 m=36
